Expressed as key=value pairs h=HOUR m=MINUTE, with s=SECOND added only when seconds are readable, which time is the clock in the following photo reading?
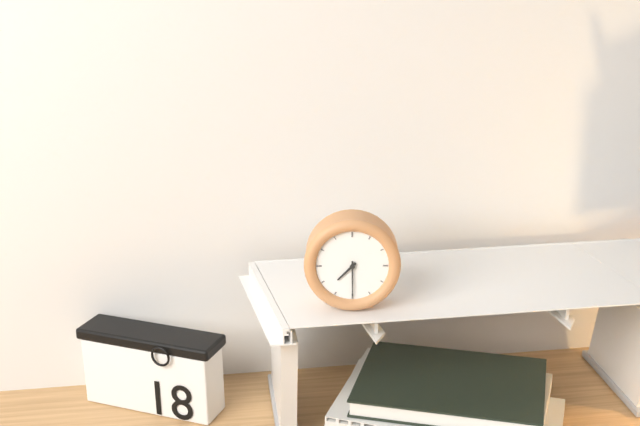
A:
h=7 m=30
